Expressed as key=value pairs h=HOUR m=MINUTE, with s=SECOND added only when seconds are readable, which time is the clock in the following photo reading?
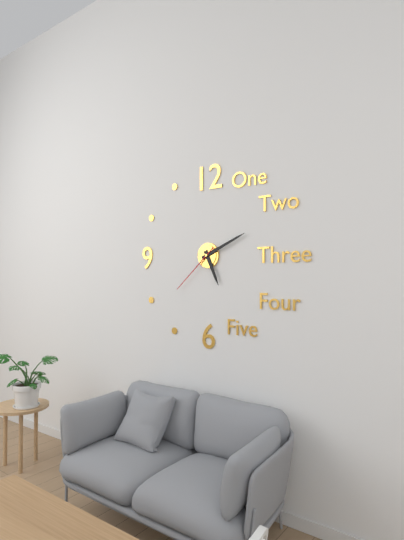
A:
h=5 m=11 s=38
